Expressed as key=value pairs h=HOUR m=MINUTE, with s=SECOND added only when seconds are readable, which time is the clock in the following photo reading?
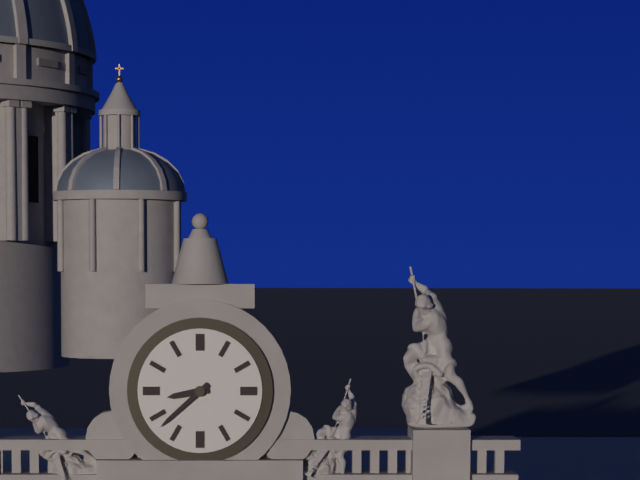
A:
h=8 m=38
